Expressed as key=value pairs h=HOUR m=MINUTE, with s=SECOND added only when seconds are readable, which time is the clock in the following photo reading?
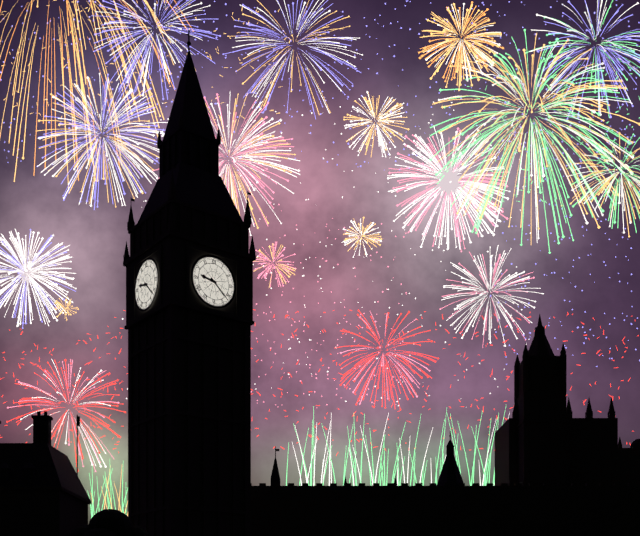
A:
h=9 m=22
